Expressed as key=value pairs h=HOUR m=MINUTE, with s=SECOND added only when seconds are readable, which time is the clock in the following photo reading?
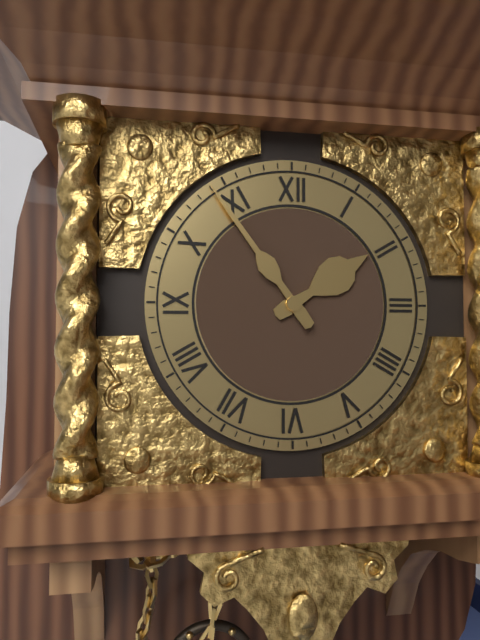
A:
h=1 m=54
